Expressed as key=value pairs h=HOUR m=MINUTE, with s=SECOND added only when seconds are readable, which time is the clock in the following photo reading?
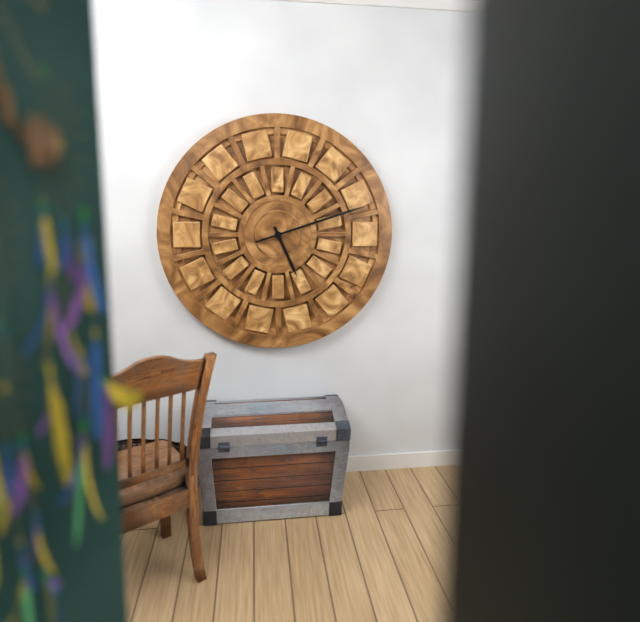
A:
h=5 m=12
